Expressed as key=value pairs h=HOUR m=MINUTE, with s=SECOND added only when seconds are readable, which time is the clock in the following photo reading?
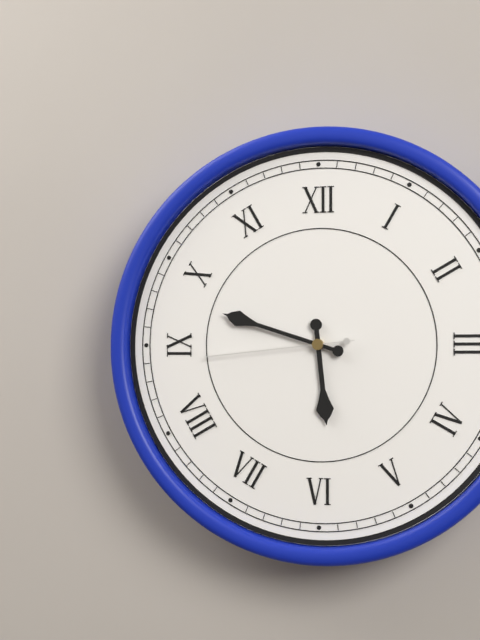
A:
h=5 m=48 s=44
